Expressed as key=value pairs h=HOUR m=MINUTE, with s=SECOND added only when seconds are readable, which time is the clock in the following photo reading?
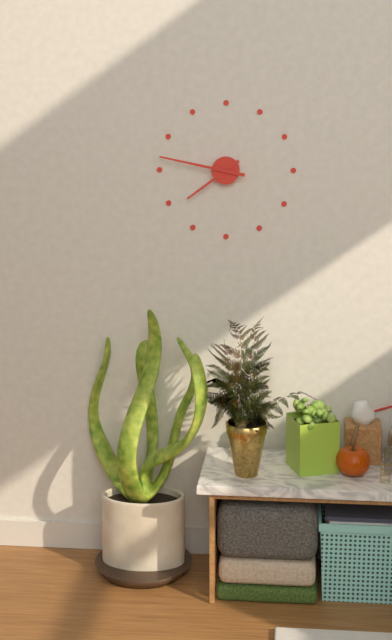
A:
h=7 m=47
